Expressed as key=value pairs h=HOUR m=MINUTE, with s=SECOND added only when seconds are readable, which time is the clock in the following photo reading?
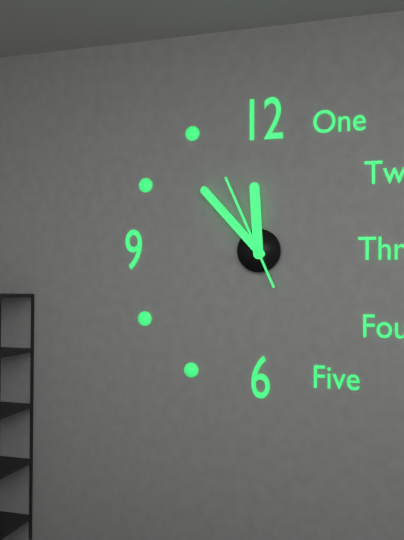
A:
h=11 m=53 s=56
